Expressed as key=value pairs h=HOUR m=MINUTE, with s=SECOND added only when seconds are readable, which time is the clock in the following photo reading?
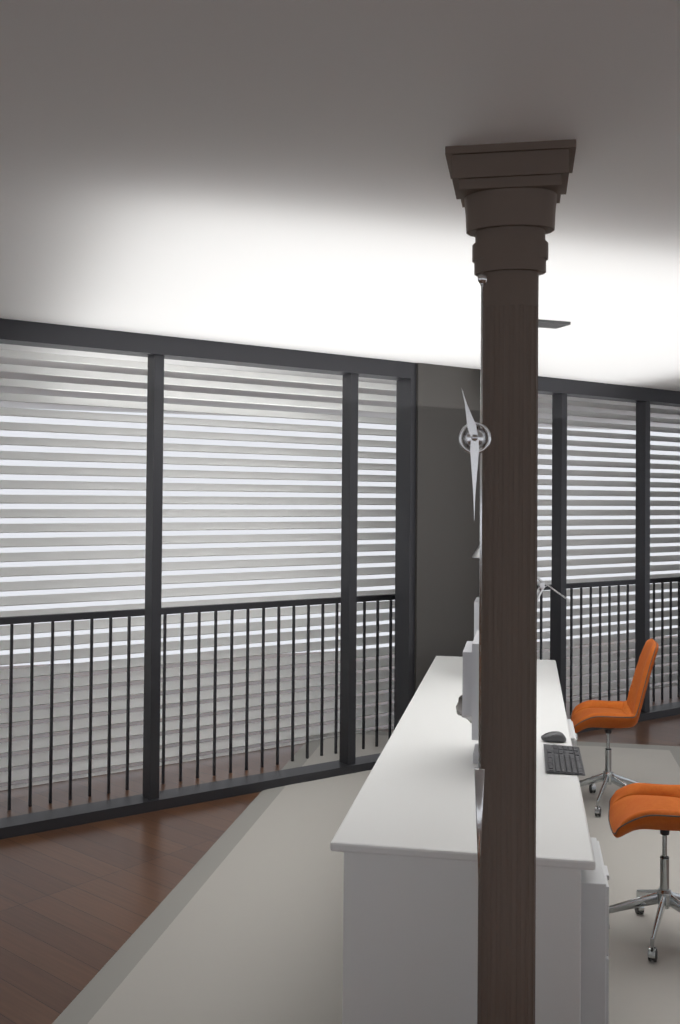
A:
h=11 m=30
